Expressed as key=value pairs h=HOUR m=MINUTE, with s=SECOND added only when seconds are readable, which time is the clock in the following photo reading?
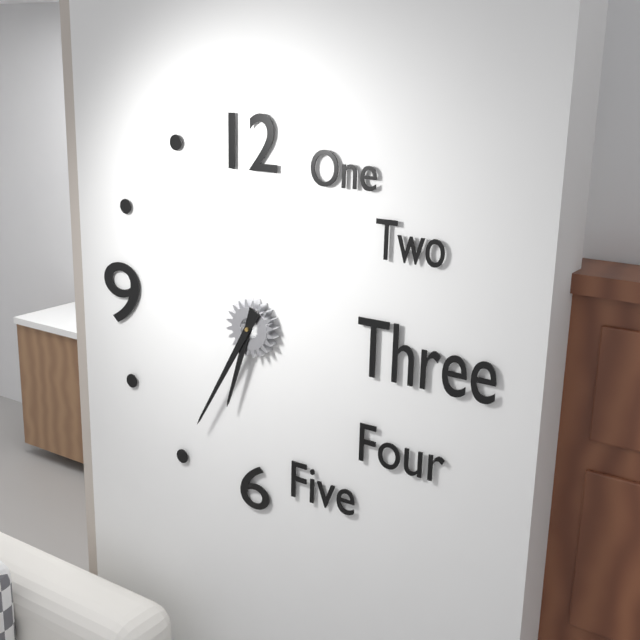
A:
h=6 m=35
